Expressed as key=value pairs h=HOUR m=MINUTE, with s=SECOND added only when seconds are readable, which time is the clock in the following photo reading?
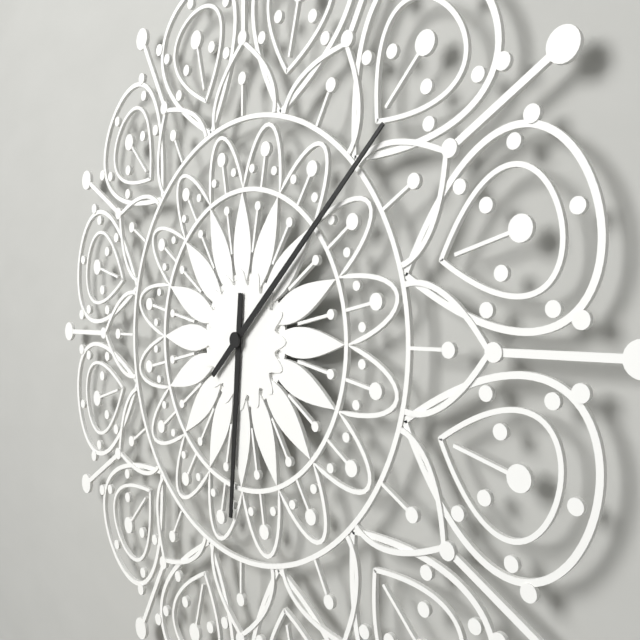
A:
h=6 m=8
